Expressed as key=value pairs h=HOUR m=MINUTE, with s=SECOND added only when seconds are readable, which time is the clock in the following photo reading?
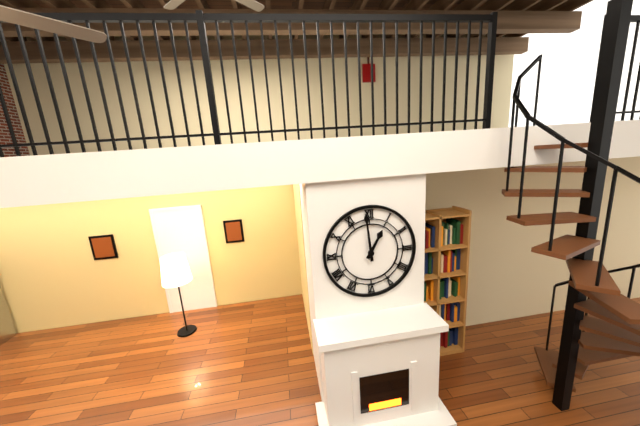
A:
h=12 m=59
